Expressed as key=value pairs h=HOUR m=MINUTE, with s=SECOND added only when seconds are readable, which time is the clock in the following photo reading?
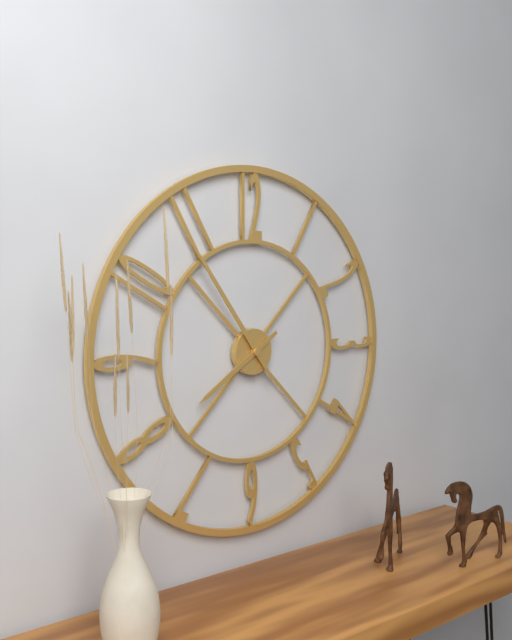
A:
h=7 m=54
